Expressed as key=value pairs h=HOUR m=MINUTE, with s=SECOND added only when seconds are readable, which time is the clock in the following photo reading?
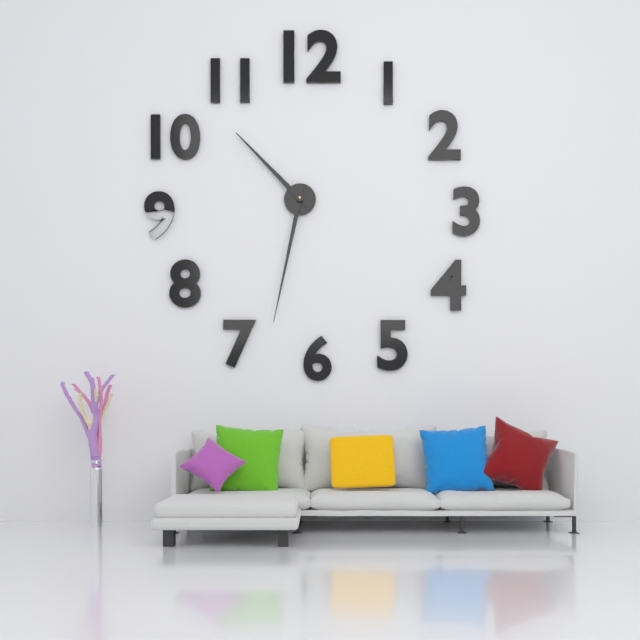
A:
h=10 m=32
